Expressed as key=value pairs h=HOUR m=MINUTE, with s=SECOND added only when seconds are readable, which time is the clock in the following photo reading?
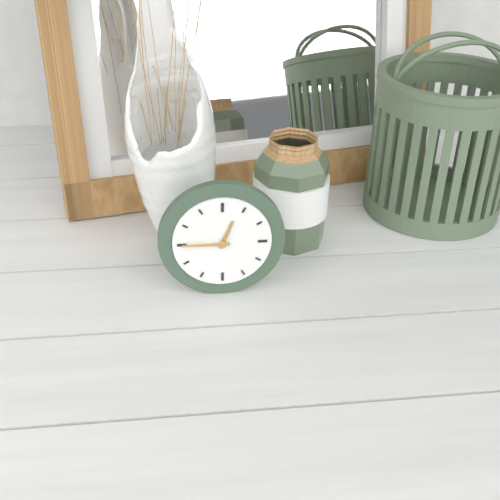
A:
h=12 m=45
